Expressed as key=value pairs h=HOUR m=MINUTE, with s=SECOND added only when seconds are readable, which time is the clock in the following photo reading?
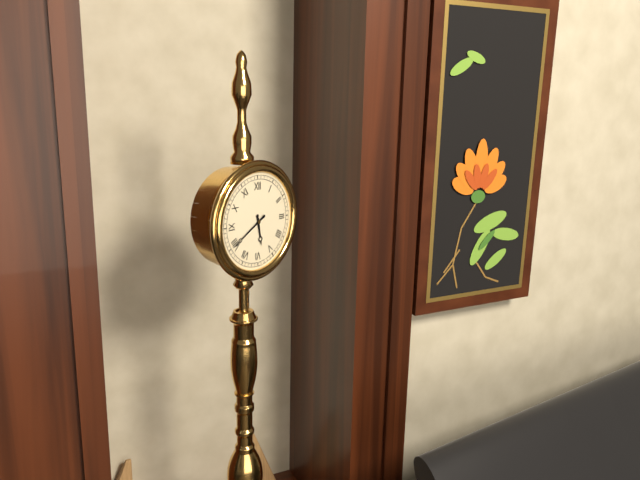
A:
h=5 m=40
